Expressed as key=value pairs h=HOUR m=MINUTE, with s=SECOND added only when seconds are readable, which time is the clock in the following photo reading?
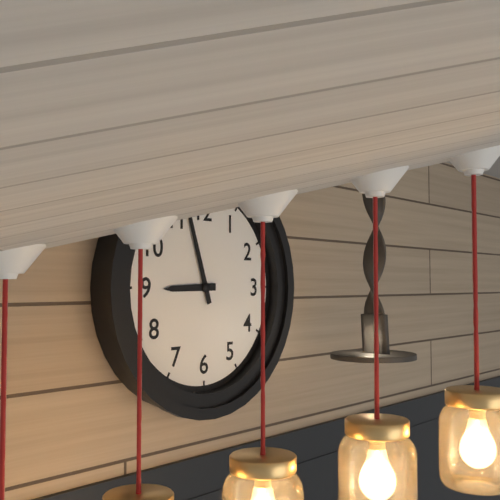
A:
h=8 m=57
